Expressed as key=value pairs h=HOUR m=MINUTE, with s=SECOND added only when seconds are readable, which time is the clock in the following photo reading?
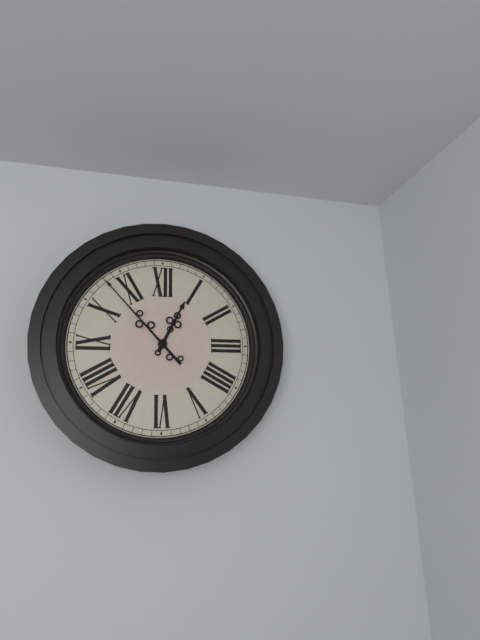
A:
h=12 m=53
